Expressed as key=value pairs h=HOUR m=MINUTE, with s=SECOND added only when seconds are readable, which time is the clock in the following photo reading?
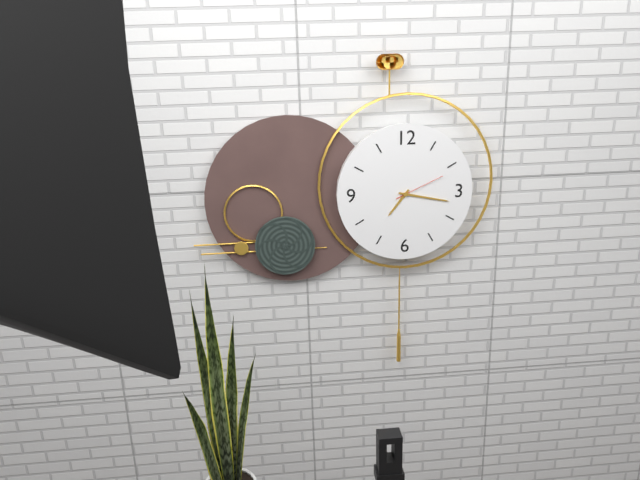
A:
h=7 m=17 s=11
